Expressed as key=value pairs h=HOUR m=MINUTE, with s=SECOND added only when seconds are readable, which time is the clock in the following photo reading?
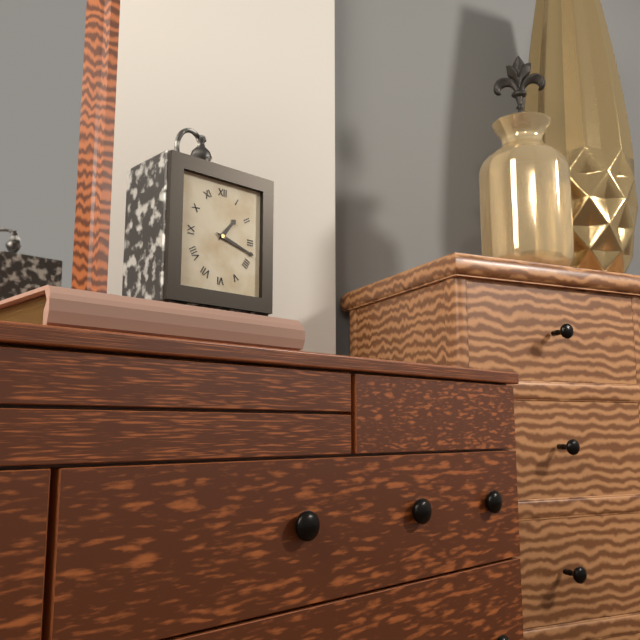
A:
h=1 m=18
